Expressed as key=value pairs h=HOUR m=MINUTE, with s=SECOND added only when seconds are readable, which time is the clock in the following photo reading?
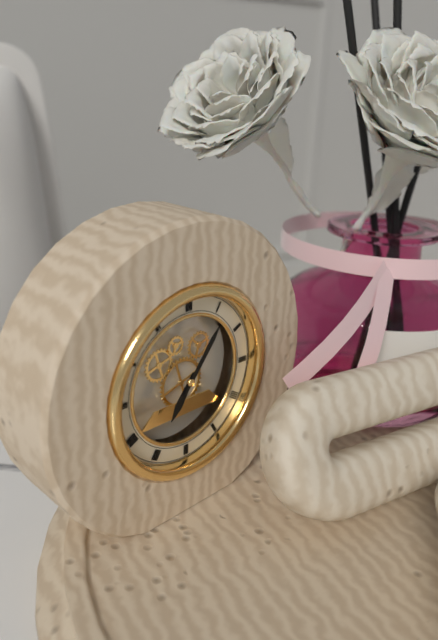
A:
h=7 m=6
